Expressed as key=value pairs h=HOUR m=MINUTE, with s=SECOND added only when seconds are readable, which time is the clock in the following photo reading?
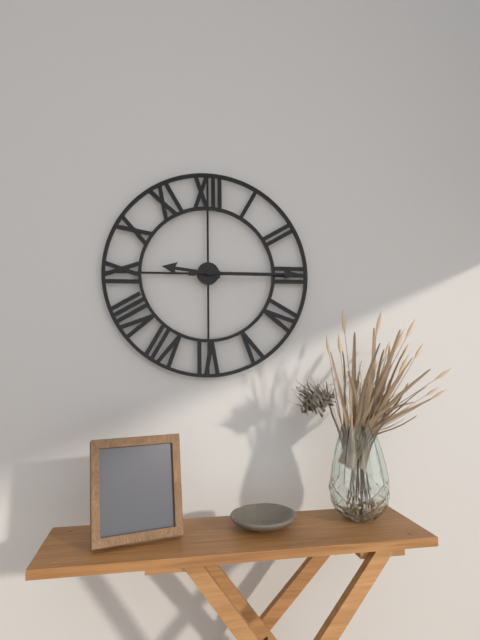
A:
h=9 m=15
